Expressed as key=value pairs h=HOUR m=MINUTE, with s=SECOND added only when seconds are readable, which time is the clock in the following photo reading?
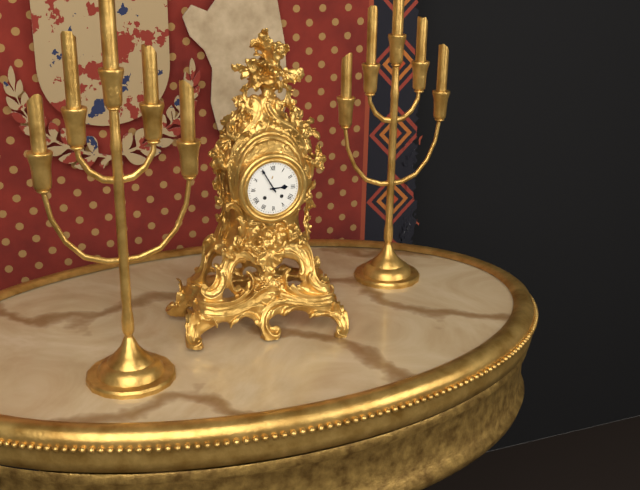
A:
h=2 m=55
